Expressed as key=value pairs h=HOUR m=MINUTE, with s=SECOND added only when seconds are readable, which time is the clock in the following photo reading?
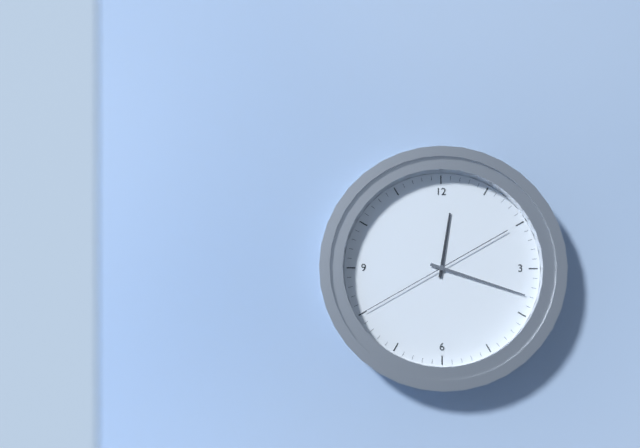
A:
h=12 m=18 s=40
